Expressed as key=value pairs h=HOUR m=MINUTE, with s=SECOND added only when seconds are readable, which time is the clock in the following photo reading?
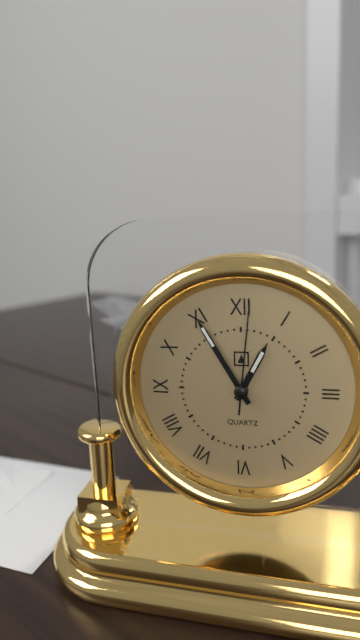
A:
h=12 m=55 s=1
